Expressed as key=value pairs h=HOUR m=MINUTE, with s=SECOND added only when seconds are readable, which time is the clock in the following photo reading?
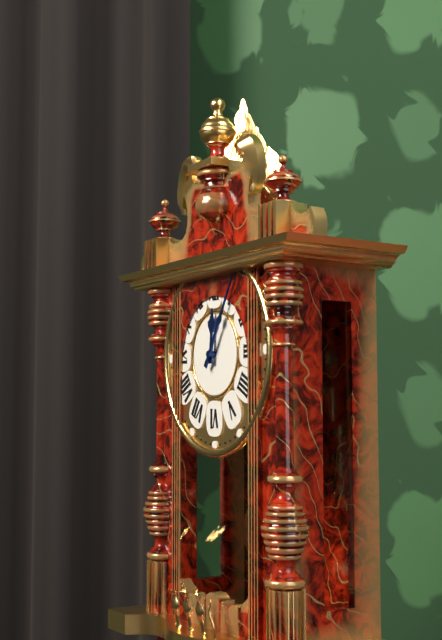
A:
h=12 m=5
